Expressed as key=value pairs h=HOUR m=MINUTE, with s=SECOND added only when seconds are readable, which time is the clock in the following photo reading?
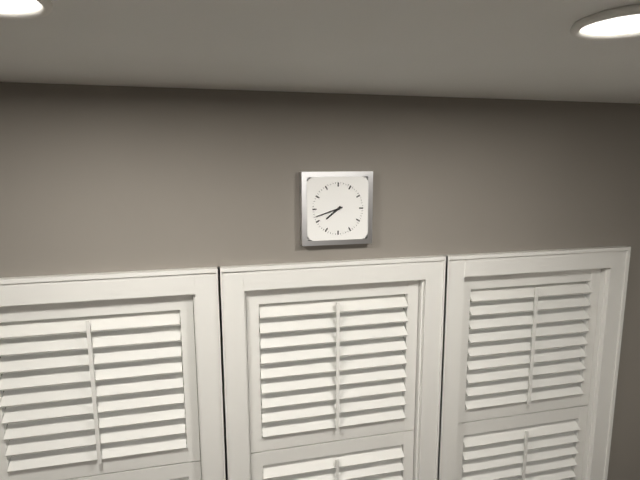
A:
h=7 m=42
